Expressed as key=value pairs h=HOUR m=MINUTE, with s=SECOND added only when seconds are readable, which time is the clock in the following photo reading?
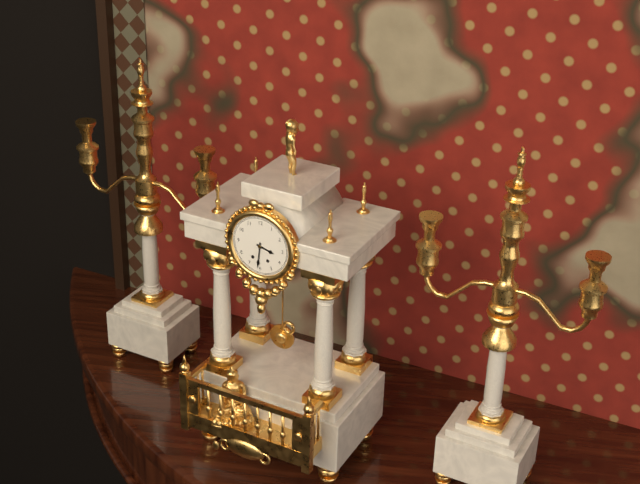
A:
h=3 m=31
